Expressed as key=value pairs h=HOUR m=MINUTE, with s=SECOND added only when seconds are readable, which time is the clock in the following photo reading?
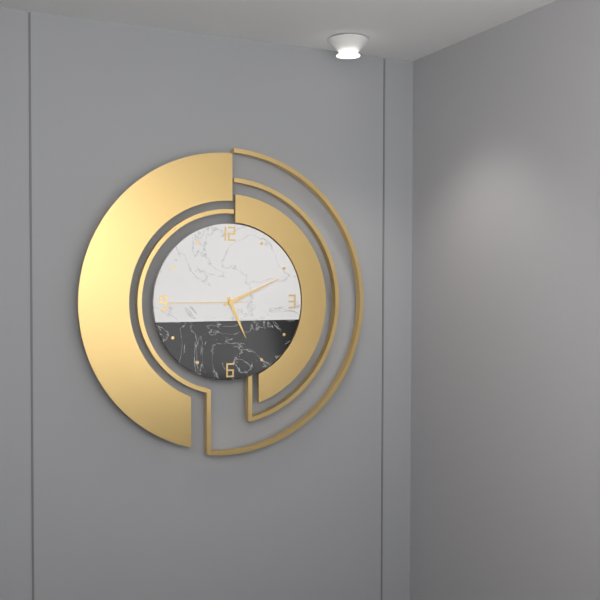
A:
h=5 m=11 s=45
